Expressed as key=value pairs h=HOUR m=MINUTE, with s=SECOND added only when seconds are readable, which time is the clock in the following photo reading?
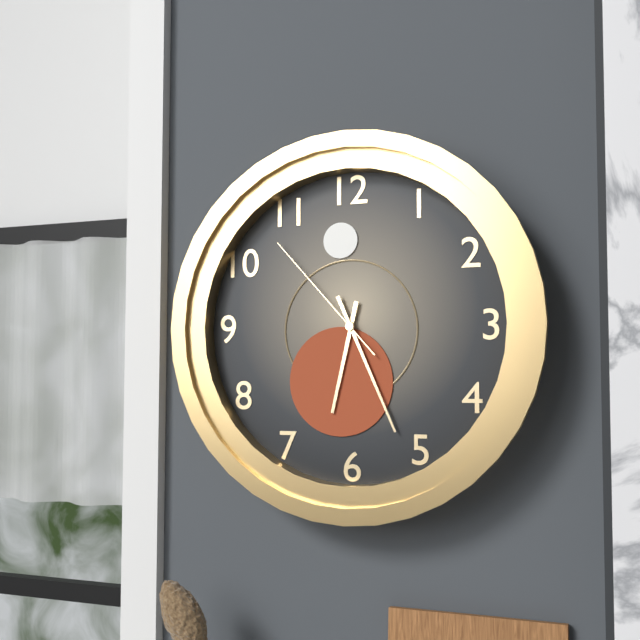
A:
h=6 m=26 s=53
